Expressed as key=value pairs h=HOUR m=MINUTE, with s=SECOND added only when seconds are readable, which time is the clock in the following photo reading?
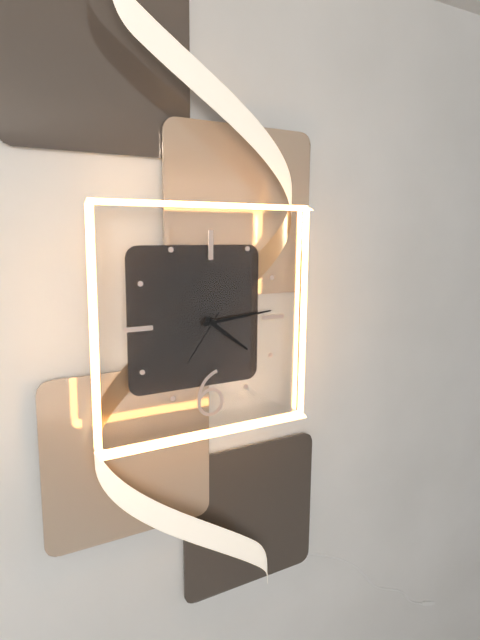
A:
h=4 m=14 s=36
